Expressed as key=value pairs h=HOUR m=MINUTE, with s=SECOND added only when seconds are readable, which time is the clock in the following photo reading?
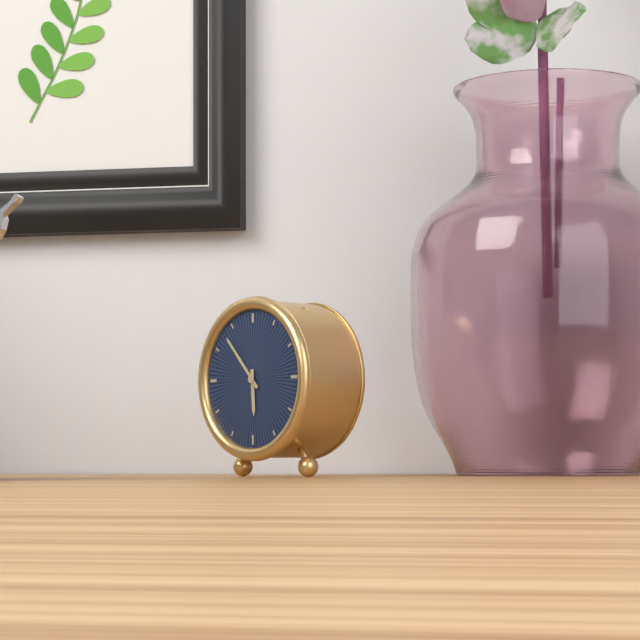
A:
h=5 m=53
